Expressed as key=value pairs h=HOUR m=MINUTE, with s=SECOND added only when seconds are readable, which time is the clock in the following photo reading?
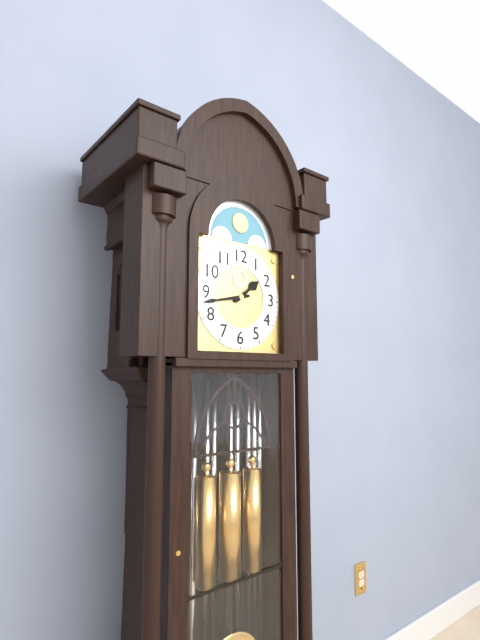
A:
h=1 m=43
